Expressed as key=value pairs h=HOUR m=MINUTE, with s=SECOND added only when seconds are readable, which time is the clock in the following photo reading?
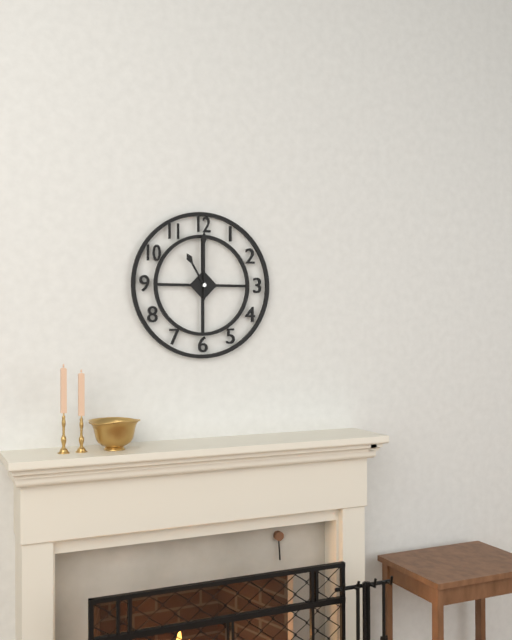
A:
h=11 m=0
